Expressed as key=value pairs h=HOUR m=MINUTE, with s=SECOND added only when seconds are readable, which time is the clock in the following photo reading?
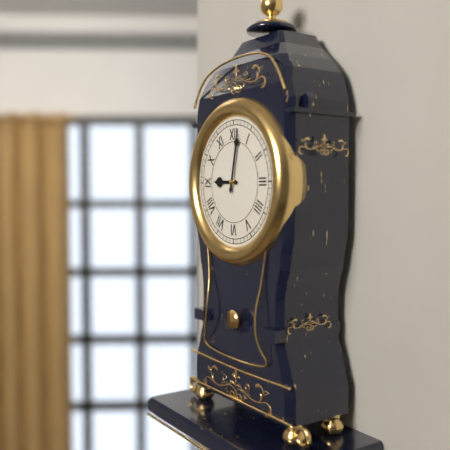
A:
h=9 m=2
